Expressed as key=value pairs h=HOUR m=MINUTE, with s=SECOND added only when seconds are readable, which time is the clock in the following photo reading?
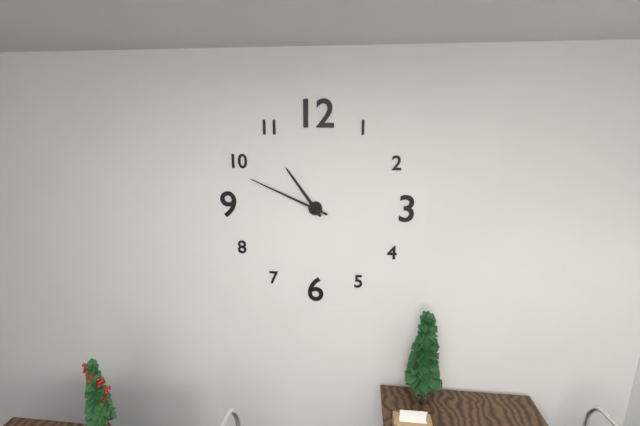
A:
h=10 m=49
